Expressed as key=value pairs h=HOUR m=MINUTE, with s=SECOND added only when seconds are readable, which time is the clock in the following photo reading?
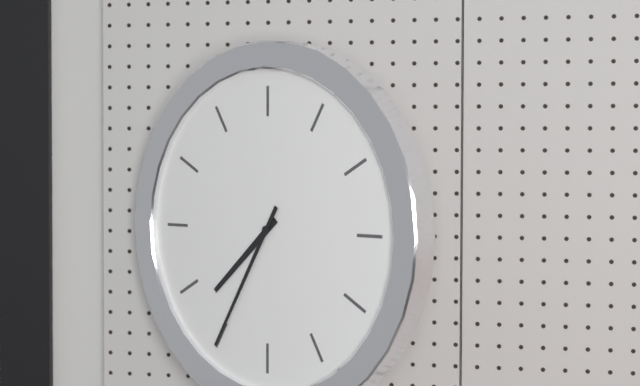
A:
h=7 m=35
